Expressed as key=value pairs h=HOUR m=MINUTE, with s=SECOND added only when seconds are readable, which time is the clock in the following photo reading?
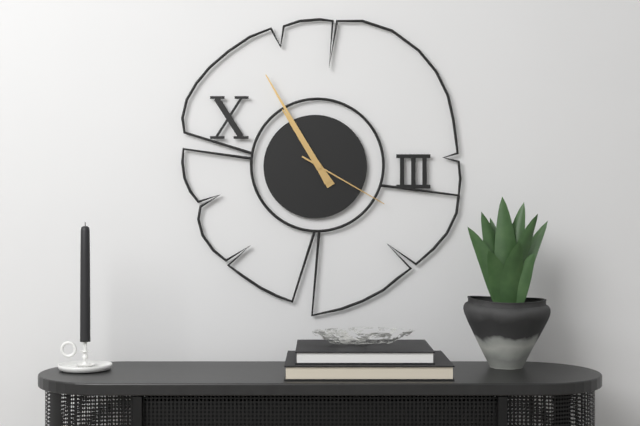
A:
h=10 m=55 s=20
